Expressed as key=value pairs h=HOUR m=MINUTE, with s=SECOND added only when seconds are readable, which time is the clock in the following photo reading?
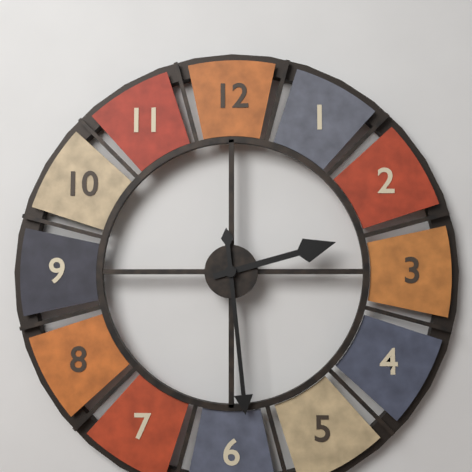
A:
h=2 m=29
